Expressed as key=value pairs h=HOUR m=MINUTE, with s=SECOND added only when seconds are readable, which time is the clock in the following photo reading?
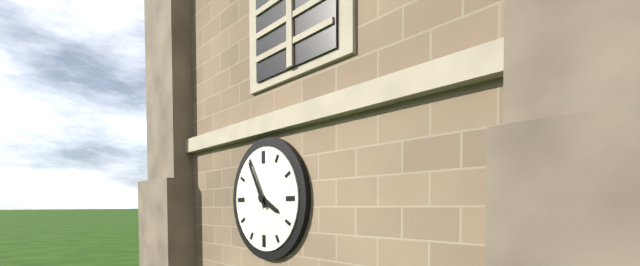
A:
h=3 m=55
